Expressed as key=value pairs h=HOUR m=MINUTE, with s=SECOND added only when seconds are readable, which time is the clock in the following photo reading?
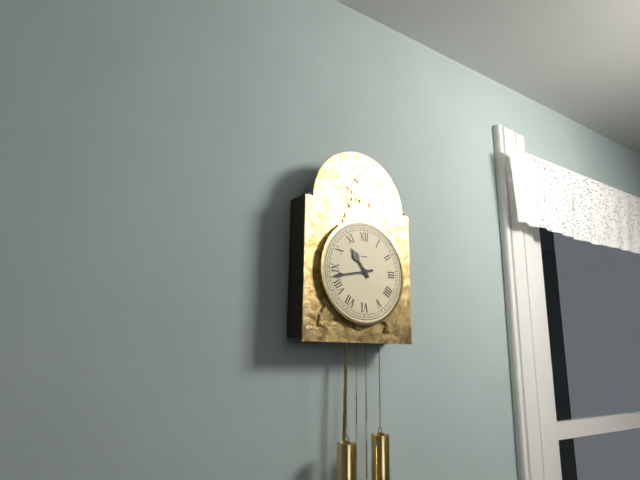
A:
h=10 m=43
